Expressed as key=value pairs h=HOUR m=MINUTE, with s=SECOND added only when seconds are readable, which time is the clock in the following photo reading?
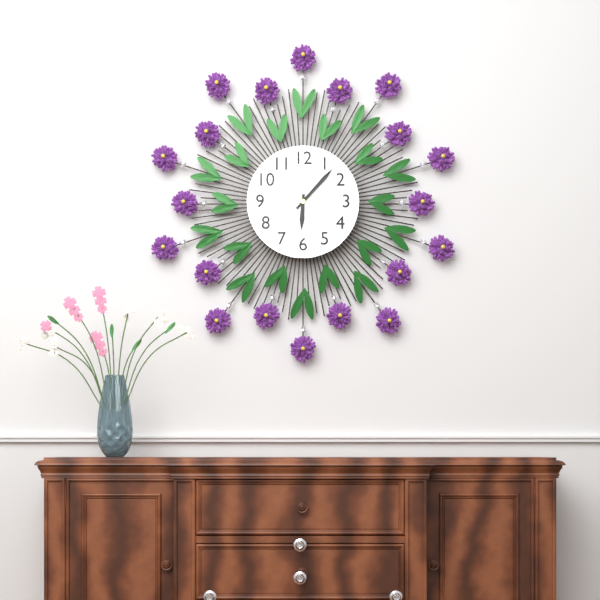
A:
h=6 m=7
